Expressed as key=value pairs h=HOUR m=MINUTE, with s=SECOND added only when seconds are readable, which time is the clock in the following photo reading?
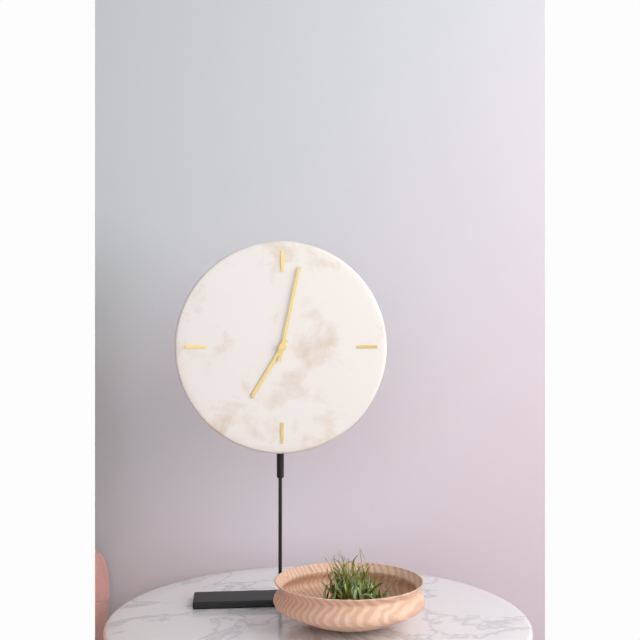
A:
h=7 m=2
